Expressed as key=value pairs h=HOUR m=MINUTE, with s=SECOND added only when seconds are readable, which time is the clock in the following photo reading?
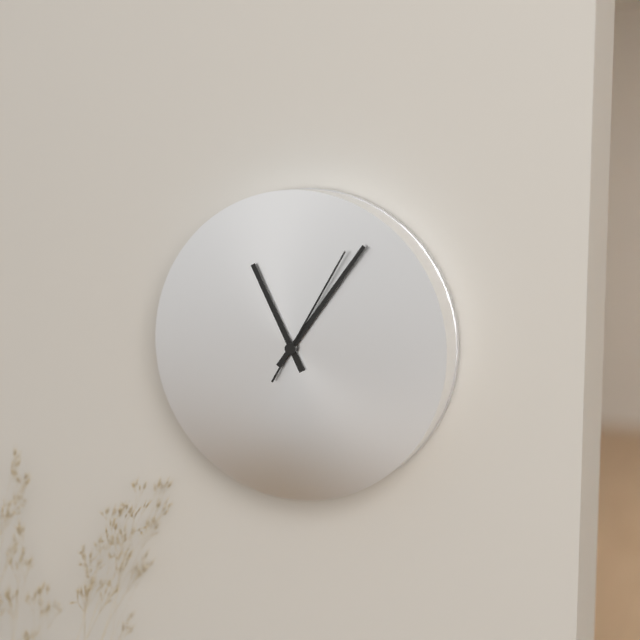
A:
h=11 m=6 s=5
